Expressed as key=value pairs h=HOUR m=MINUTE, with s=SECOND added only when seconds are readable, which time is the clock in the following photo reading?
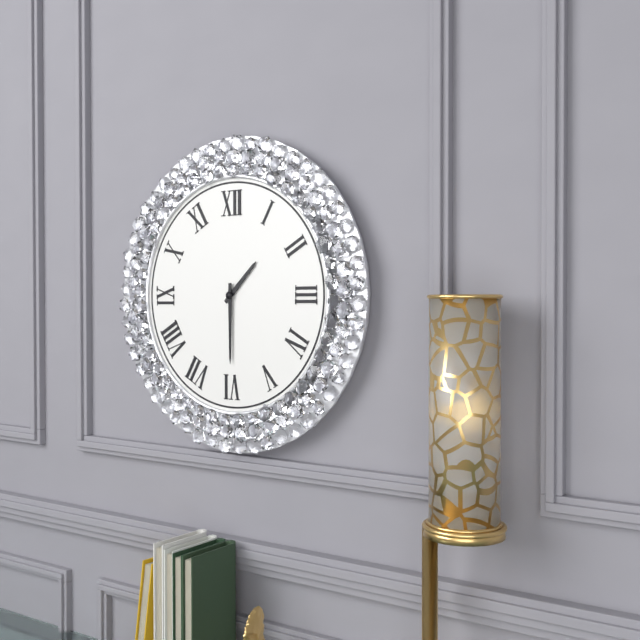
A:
h=1 m=30
